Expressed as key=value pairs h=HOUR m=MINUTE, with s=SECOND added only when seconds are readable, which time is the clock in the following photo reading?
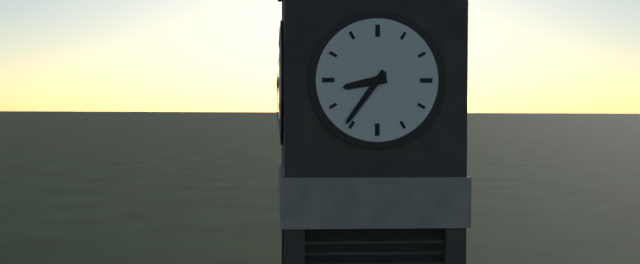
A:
h=8 m=36
